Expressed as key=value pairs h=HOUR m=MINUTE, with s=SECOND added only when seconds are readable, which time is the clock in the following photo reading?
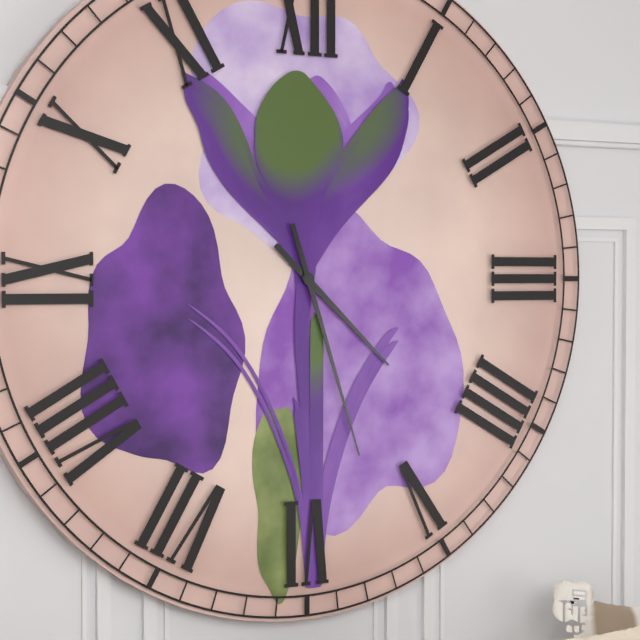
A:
h=4 m=27
